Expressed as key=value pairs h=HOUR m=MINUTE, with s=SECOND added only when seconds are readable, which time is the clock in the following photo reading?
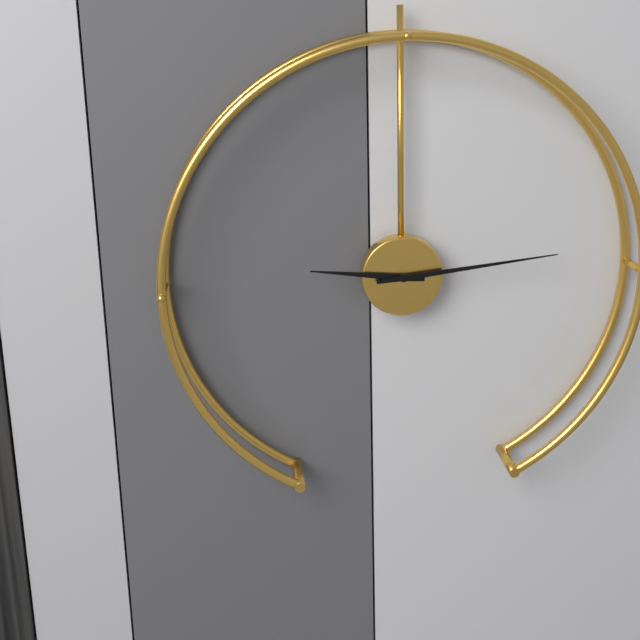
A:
h=9 m=14
